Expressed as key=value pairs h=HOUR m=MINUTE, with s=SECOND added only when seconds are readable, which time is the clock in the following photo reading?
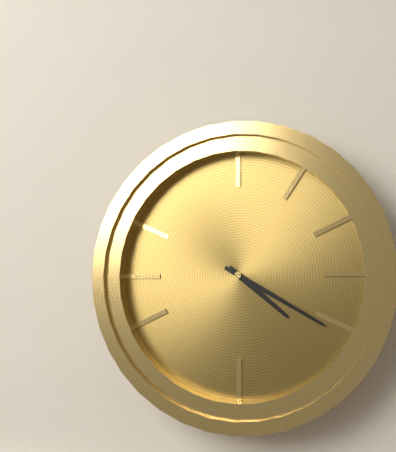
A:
h=4 m=20
